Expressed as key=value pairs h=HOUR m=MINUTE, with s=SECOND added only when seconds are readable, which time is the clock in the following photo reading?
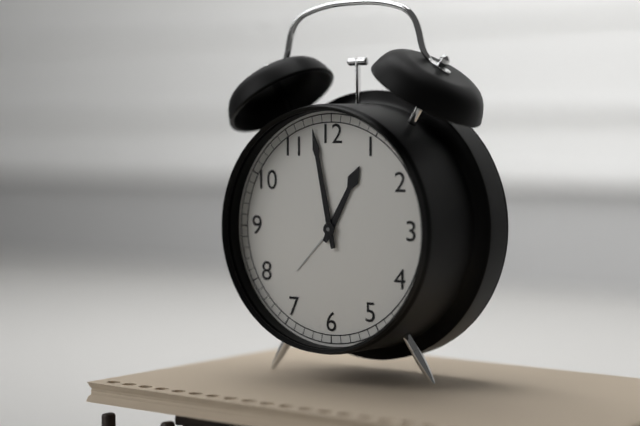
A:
h=12 m=58
